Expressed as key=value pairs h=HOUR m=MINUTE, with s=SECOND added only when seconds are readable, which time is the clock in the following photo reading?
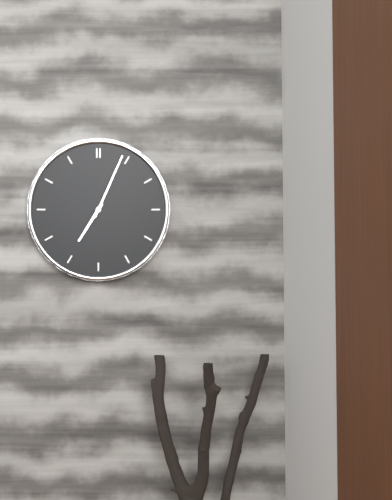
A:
h=7 m=4
